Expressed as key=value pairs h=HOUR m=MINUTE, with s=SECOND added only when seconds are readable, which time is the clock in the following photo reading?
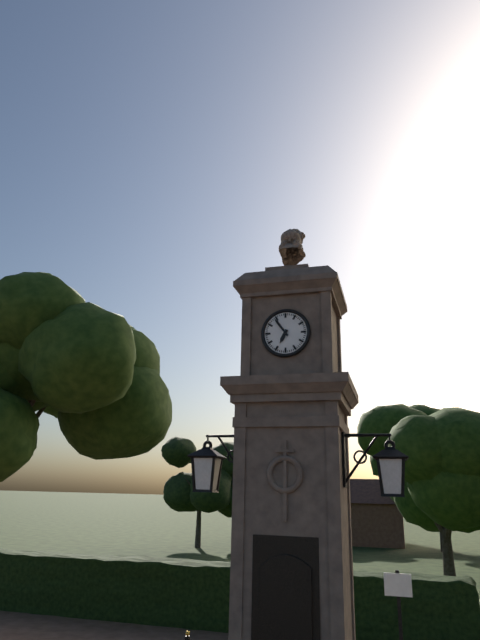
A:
h=6 m=54
